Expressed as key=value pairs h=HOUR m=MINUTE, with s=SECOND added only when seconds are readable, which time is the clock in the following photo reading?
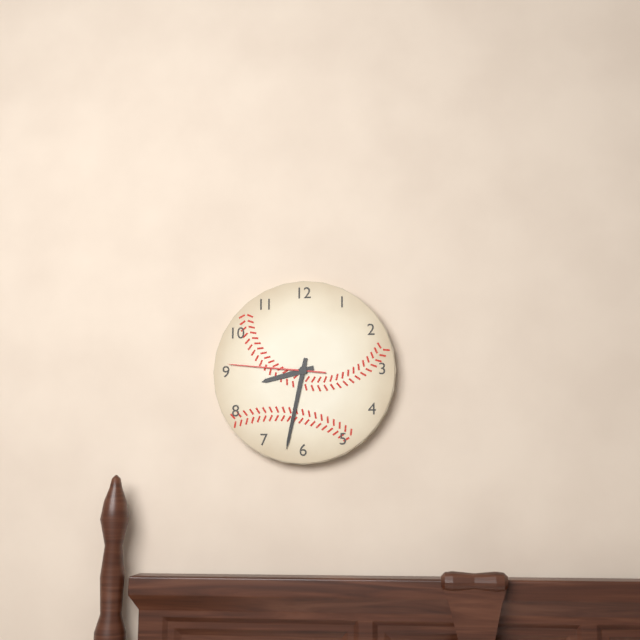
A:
h=8 m=32 s=46
